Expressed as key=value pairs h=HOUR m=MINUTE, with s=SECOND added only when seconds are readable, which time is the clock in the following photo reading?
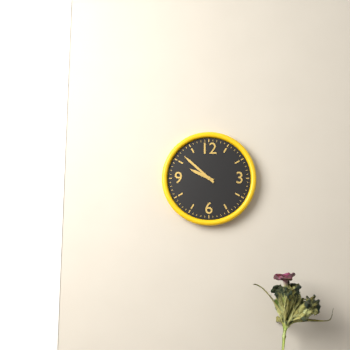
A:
h=9 m=52
